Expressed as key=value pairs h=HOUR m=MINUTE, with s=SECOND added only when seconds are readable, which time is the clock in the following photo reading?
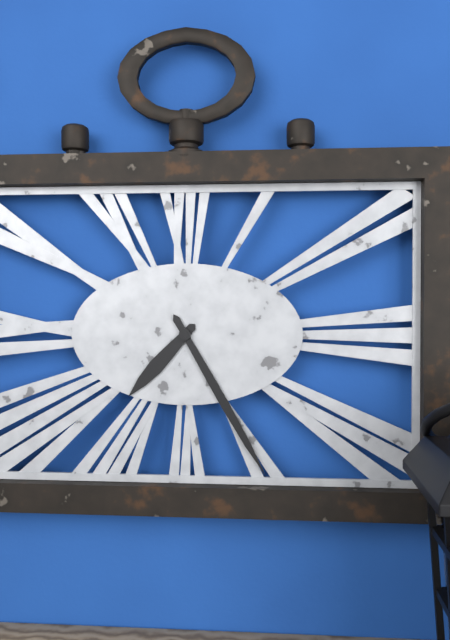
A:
h=7 m=25
